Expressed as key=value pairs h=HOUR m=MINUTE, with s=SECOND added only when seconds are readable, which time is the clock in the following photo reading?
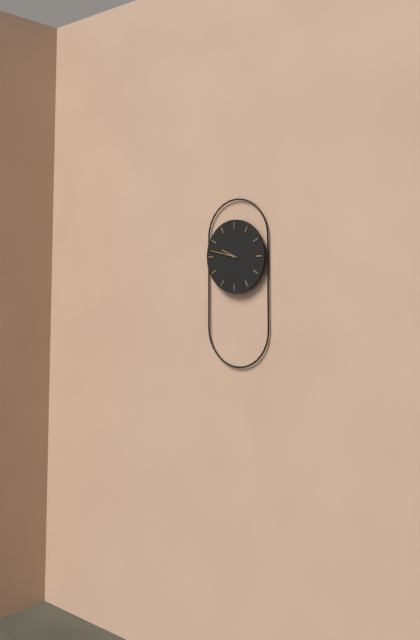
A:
h=9 m=47
